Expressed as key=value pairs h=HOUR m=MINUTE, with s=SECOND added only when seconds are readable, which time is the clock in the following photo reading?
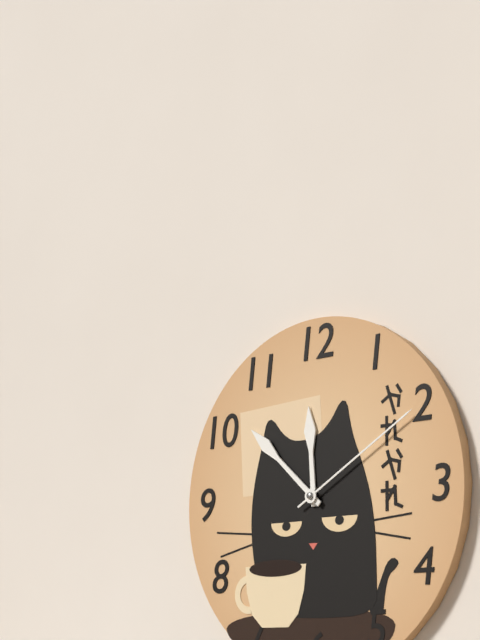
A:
h=11 m=52 s=10
